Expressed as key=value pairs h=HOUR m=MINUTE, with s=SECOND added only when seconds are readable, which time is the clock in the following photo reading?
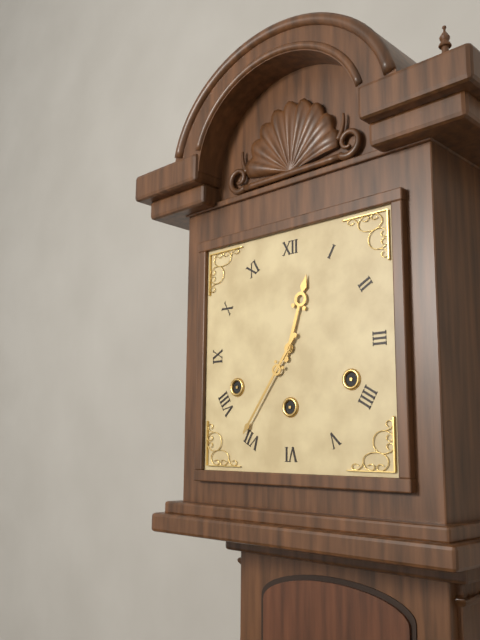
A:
h=12 m=36
